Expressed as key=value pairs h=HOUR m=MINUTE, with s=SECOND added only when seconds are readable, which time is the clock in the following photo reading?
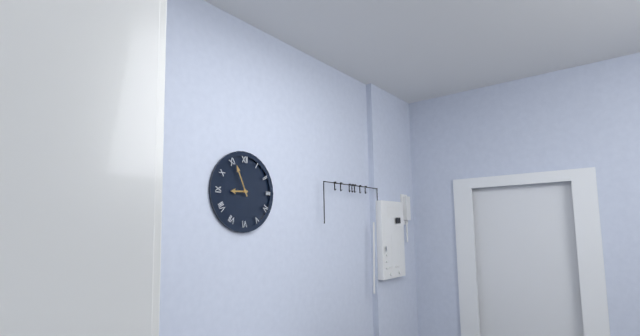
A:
h=8 m=56
